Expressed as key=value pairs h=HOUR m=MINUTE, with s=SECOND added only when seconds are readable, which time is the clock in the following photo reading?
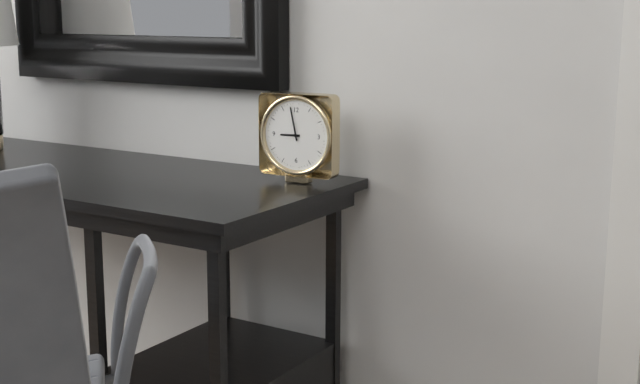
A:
h=8 m=58
